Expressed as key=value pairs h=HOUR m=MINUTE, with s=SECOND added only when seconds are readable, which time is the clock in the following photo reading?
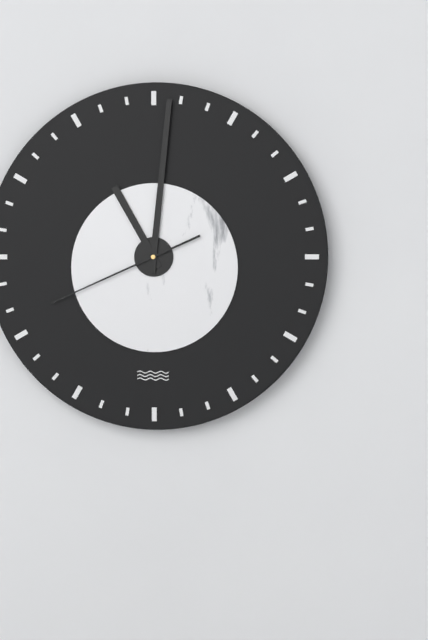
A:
h=11 m=1 s=41
